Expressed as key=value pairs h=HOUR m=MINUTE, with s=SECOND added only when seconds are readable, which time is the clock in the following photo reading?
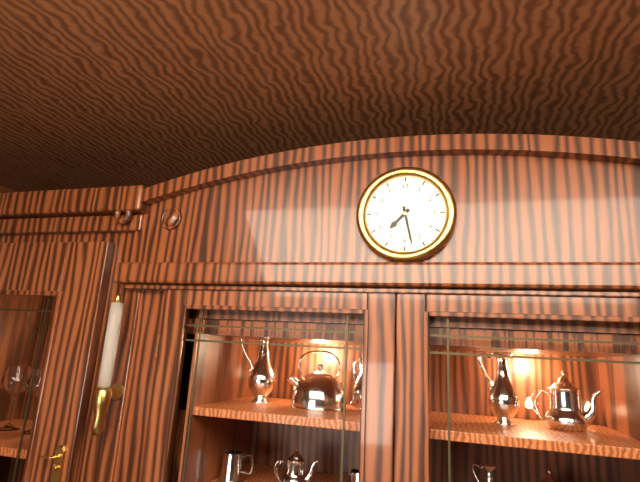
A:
h=7 m=28
